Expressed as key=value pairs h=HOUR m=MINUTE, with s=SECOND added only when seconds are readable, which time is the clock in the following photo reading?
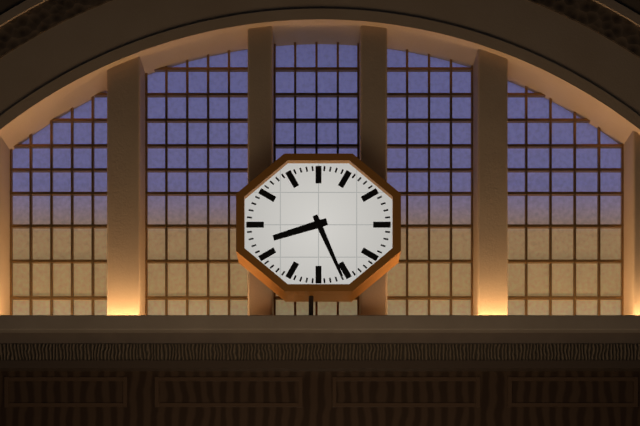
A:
h=8 m=26
